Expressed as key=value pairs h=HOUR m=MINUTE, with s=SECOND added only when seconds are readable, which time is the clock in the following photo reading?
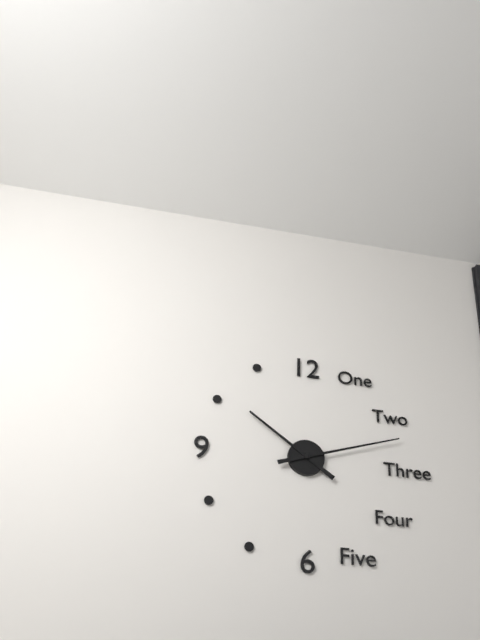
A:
h=10 m=12
